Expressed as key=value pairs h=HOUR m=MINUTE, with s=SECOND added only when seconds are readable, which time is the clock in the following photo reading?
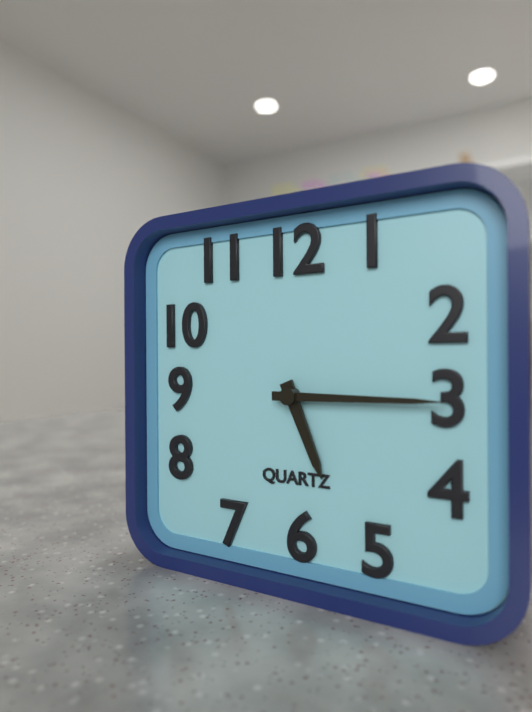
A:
h=5 m=15
